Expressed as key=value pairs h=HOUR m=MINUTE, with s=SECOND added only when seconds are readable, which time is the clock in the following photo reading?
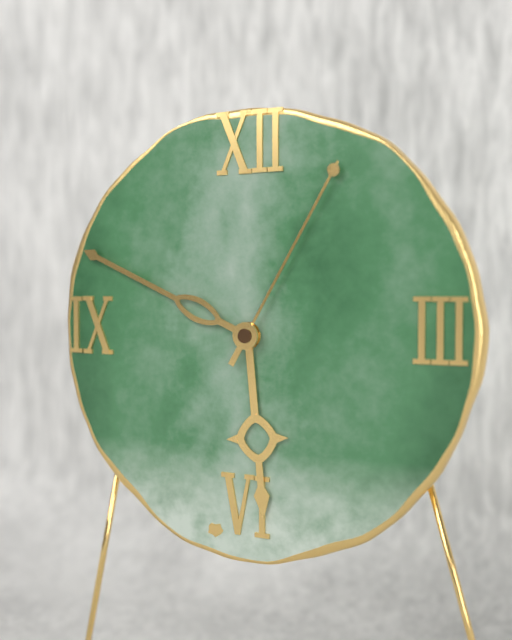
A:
h=5 m=49 s=5
